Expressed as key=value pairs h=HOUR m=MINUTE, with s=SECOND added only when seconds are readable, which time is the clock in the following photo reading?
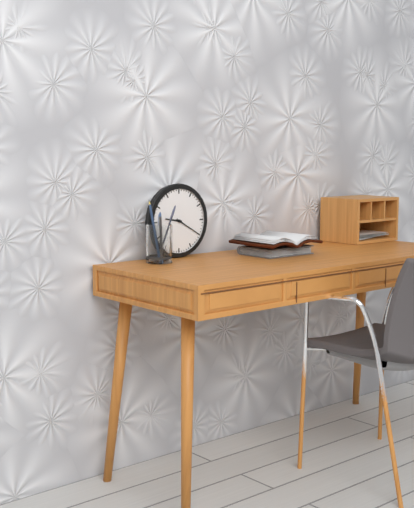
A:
h=9 m=20
